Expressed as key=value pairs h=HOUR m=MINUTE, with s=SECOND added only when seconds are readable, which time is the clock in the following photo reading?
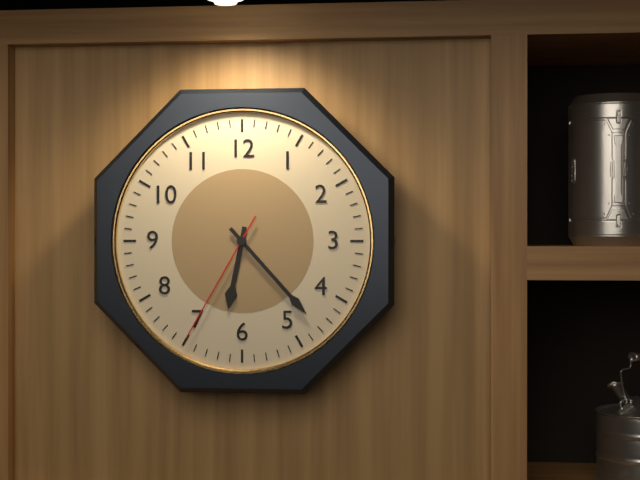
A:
h=6 m=23 s=35
